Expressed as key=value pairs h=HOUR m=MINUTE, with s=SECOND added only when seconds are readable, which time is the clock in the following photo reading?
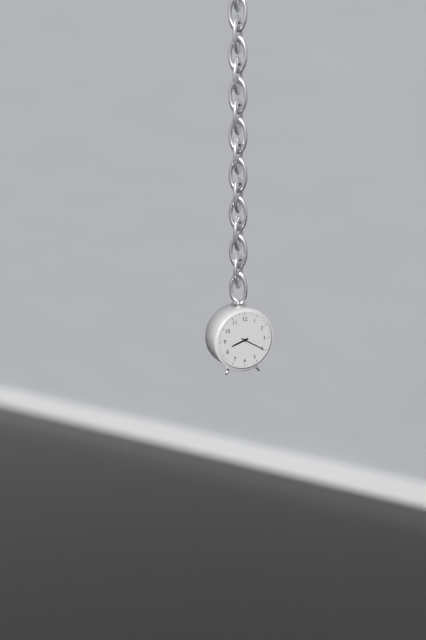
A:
h=8 m=20
